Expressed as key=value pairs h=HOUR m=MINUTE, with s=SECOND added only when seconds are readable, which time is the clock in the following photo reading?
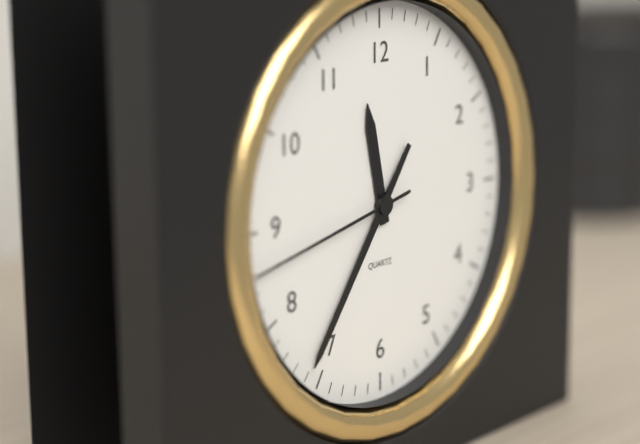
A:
h=11 m=36 s=43
